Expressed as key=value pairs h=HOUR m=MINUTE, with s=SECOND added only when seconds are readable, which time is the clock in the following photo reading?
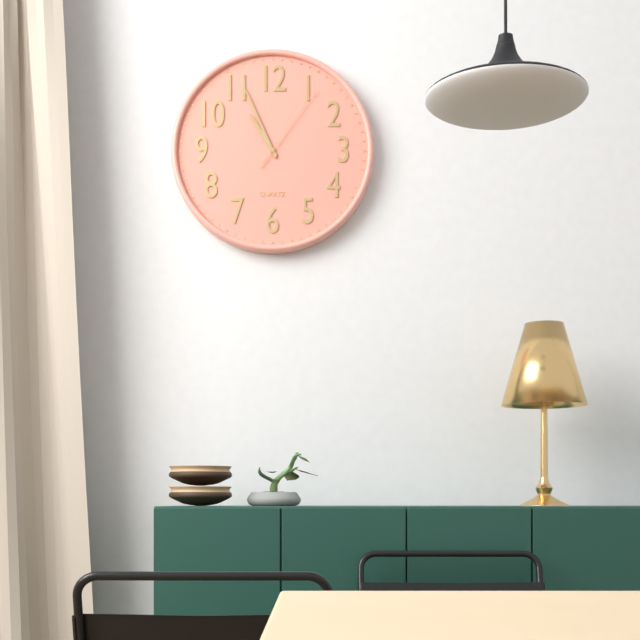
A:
h=10 m=56 s=6
